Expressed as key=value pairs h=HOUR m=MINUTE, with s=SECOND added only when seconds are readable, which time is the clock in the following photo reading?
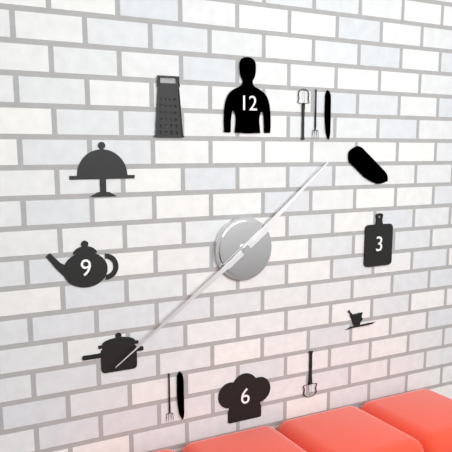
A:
h=1 m=39
